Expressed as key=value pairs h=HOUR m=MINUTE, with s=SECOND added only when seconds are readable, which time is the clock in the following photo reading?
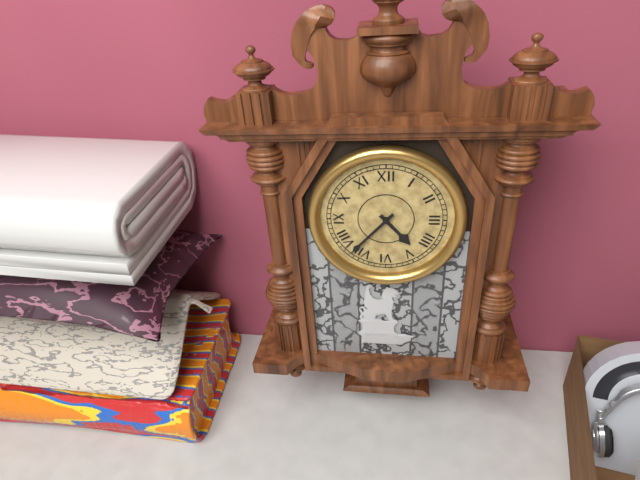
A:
h=4 m=37
